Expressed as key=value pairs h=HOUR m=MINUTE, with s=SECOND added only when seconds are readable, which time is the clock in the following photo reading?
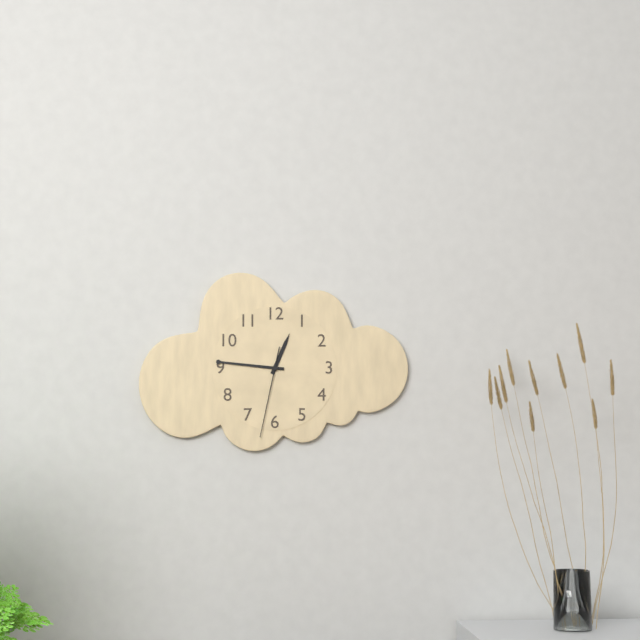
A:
h=12 m=46 s=32
